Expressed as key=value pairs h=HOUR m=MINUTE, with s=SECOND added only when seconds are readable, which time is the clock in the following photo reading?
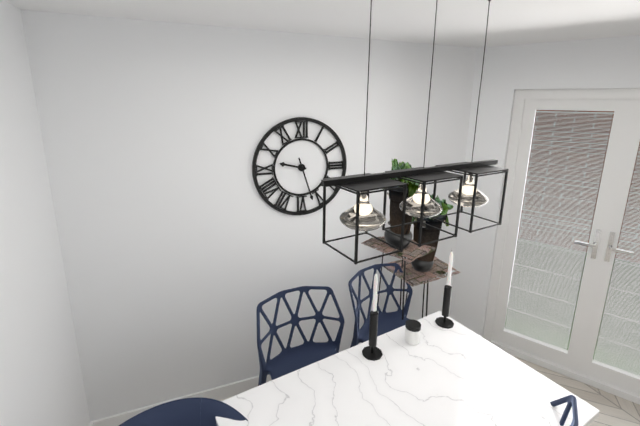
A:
h=9 m=27
